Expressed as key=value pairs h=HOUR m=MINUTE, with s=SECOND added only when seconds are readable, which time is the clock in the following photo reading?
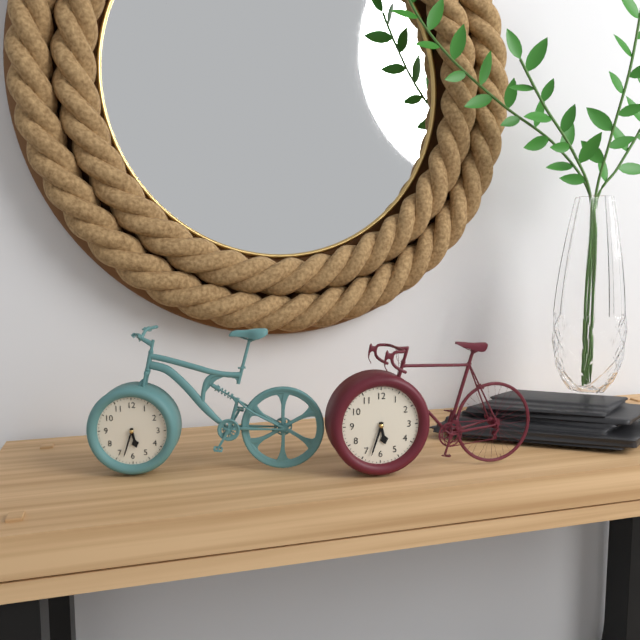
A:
h=5 m=33
